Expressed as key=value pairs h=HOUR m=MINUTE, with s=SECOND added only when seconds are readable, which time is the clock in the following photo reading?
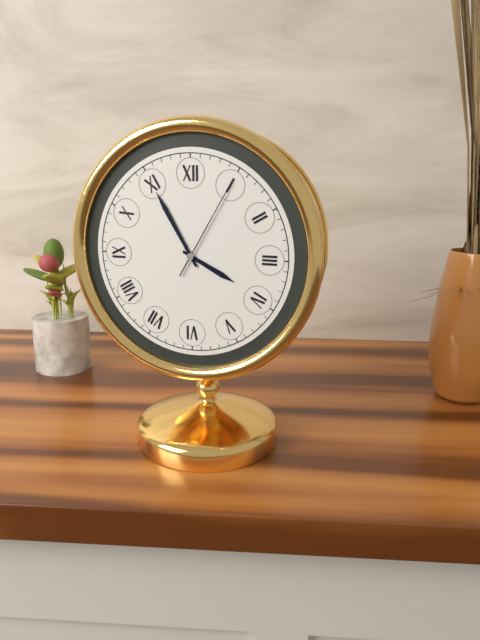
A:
h=3 m=55 s=5
